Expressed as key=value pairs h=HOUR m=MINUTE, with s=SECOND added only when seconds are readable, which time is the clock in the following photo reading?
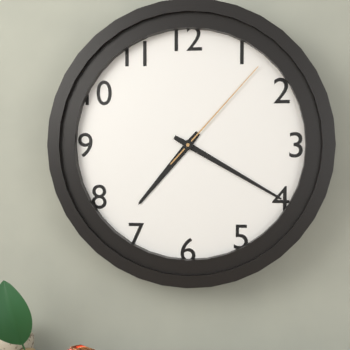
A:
h=7 m=20 s=7
